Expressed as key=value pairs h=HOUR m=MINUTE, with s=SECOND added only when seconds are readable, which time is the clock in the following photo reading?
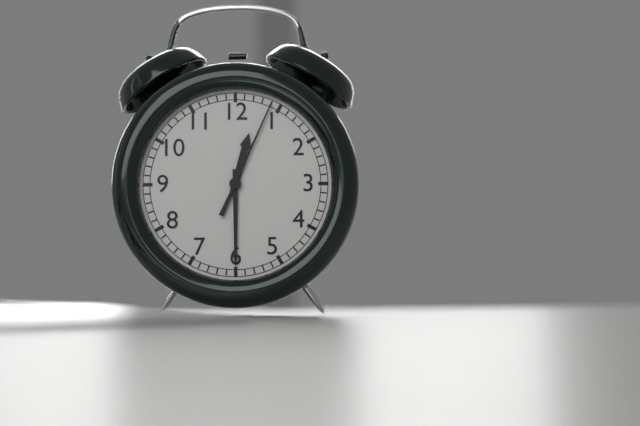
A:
h=12 m=30 s=4
